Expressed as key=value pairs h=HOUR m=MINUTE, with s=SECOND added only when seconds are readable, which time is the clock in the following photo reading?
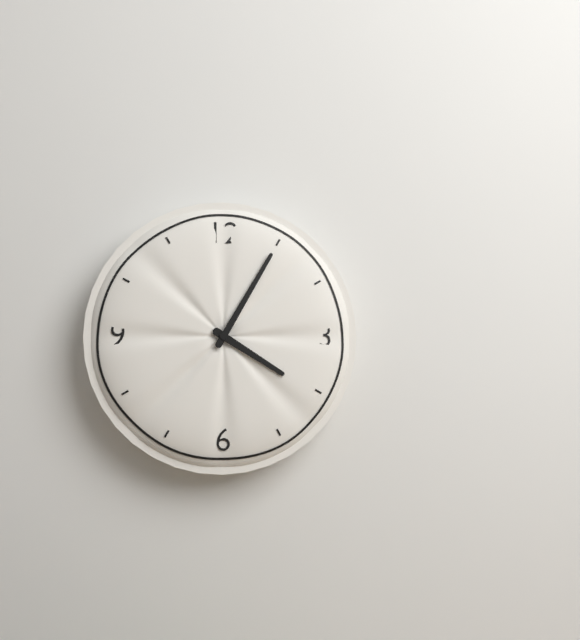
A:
h=4 m=5
